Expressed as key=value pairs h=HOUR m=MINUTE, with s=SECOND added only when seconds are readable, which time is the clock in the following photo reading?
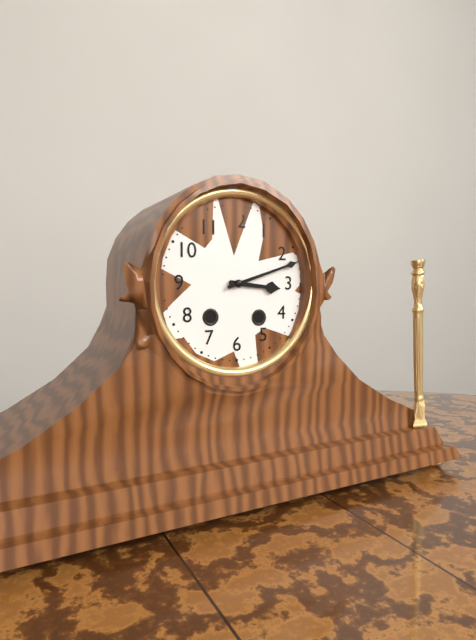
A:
h=3 m=12
